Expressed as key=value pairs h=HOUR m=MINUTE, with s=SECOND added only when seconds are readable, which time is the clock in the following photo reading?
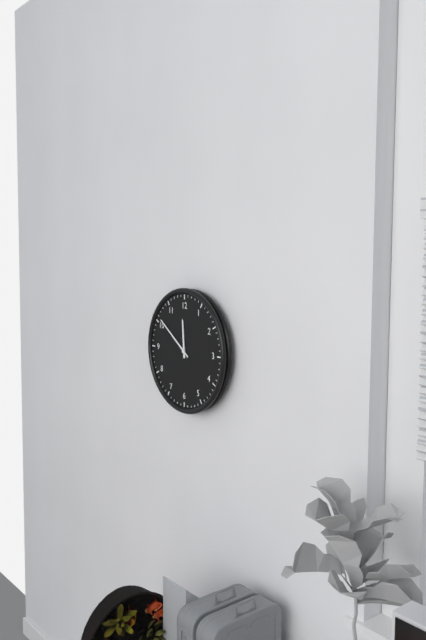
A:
h=11 m=51
